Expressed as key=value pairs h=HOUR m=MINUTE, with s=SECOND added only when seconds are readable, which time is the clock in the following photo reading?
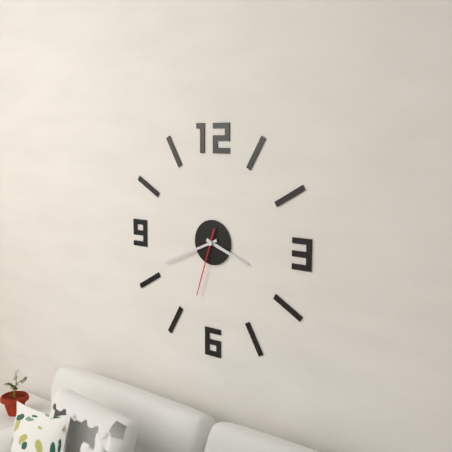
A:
h=3 m=41 s=33
